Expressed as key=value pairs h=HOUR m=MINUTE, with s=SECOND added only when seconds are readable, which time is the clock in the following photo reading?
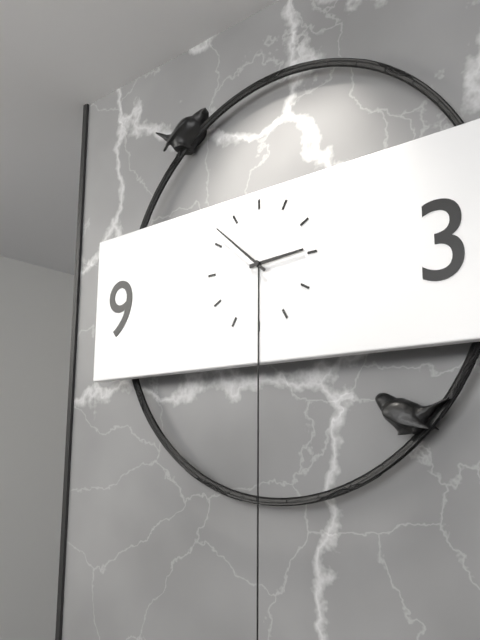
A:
h=2 m=52
